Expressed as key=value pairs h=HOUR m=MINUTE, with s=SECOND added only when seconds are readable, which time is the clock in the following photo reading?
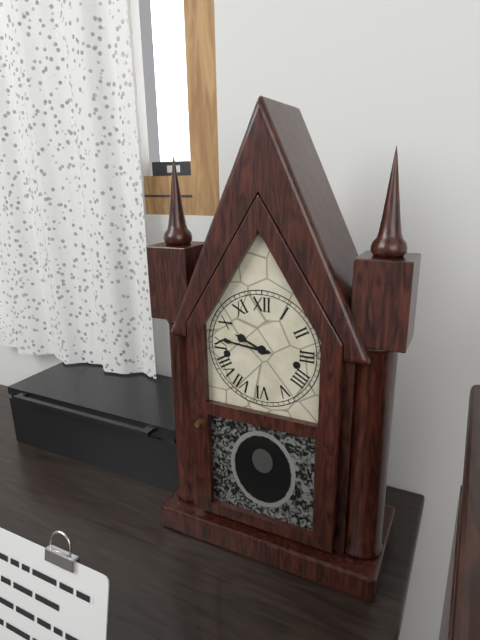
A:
h=9 m=46
